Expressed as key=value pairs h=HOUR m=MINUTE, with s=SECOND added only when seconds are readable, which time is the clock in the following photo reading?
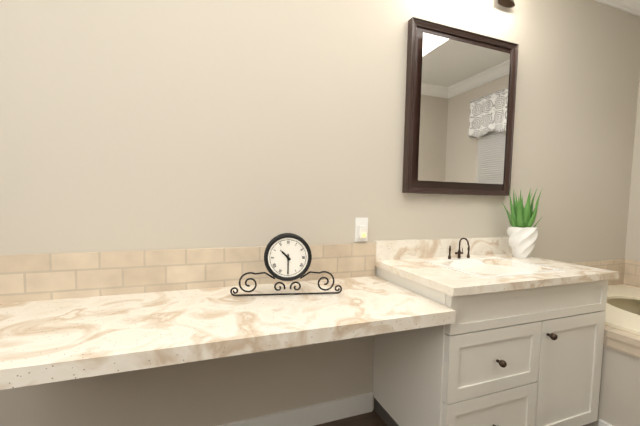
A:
h=10 m=30
